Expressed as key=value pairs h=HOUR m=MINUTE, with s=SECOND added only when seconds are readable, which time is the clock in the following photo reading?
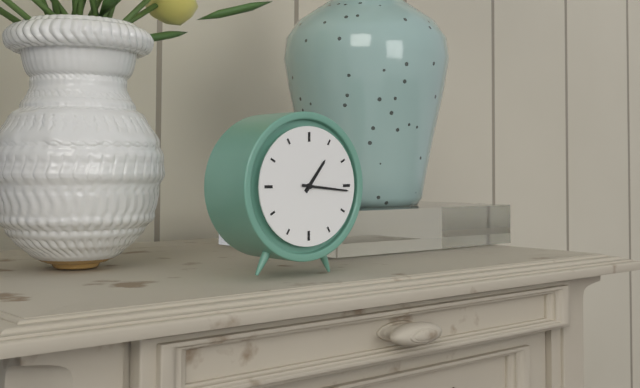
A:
h=1 m=16
